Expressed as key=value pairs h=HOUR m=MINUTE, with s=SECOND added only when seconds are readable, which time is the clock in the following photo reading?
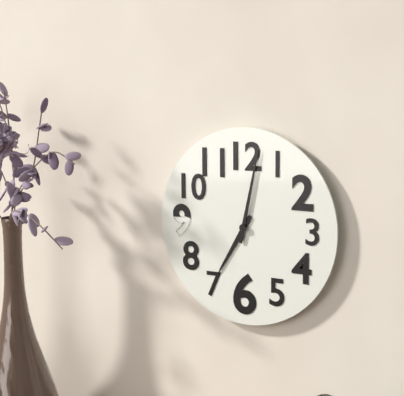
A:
h=7 m=2
